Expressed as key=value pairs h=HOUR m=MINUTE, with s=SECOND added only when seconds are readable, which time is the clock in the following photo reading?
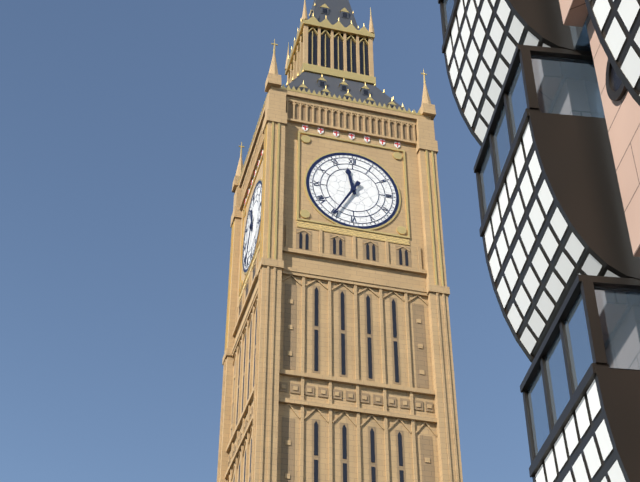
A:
h=11 m=35
